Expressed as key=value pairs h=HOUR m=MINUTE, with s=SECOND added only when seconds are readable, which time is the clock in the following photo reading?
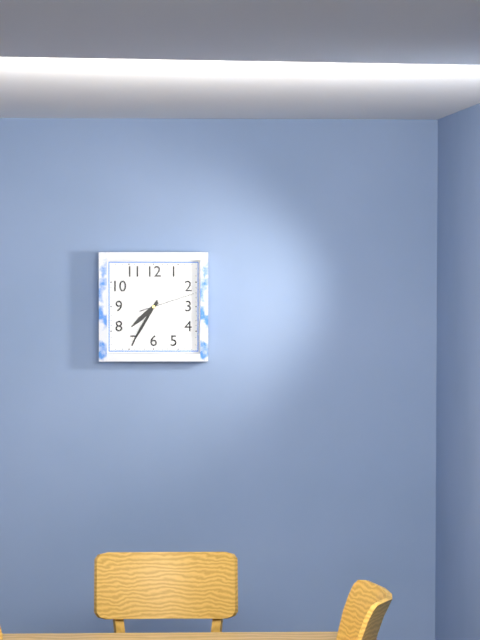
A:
h=7 m=35 s=12
